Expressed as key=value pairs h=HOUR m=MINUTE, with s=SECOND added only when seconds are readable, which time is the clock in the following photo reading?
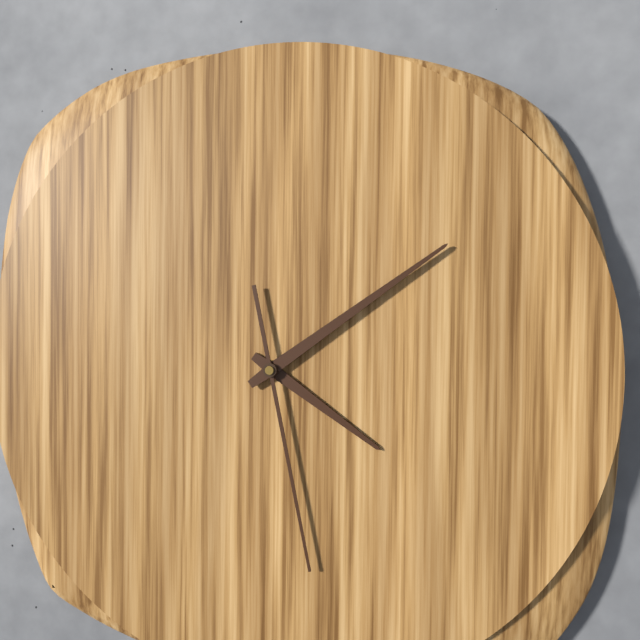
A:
h=4 m=9 s=28
